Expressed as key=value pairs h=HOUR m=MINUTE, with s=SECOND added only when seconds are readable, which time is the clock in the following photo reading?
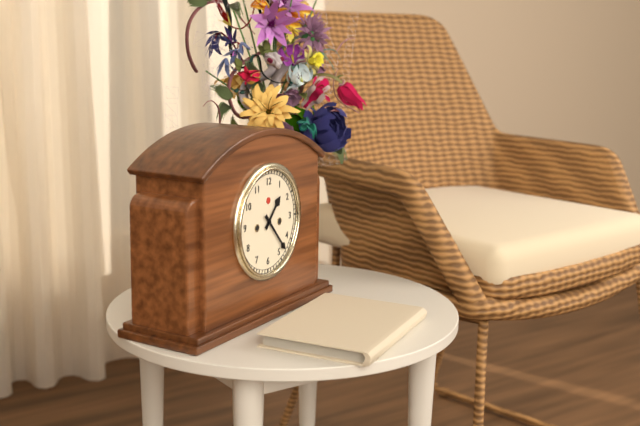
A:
h=1 m=23
